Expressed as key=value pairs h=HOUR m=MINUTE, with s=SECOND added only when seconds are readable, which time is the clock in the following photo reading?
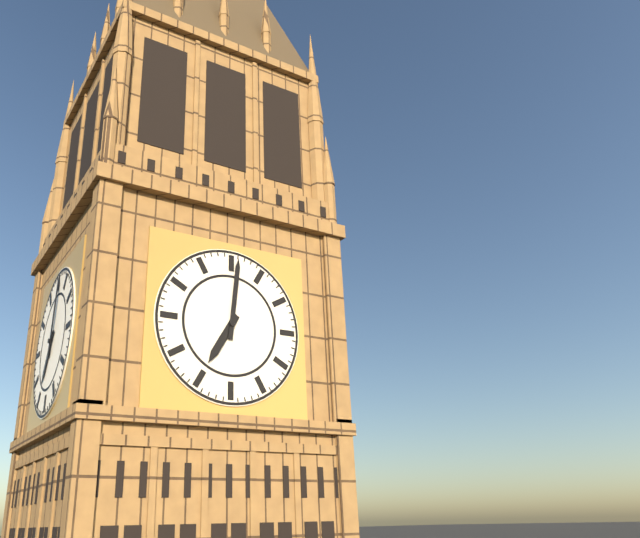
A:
h=7 m=1
